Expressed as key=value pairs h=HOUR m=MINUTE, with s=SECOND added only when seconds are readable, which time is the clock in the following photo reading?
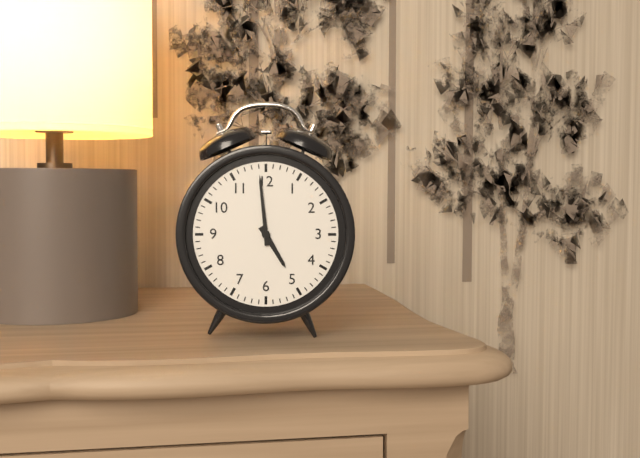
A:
h=4 m=59
